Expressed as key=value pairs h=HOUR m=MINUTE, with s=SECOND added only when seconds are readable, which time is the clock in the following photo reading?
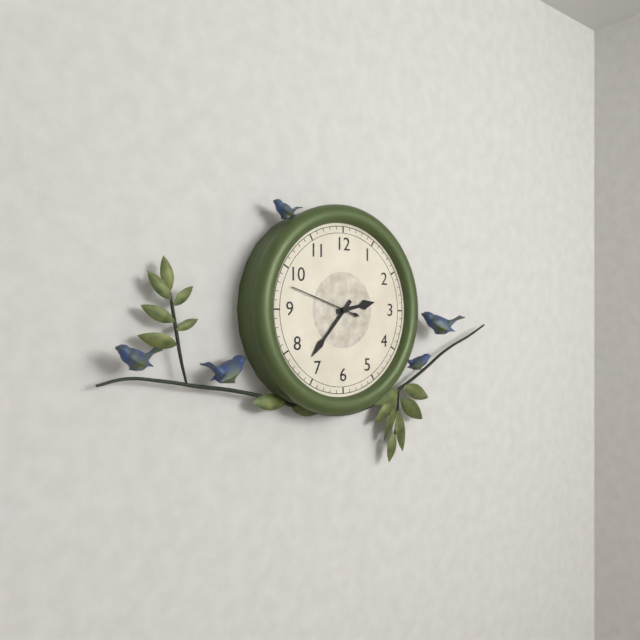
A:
h=2 m=37 s=48
